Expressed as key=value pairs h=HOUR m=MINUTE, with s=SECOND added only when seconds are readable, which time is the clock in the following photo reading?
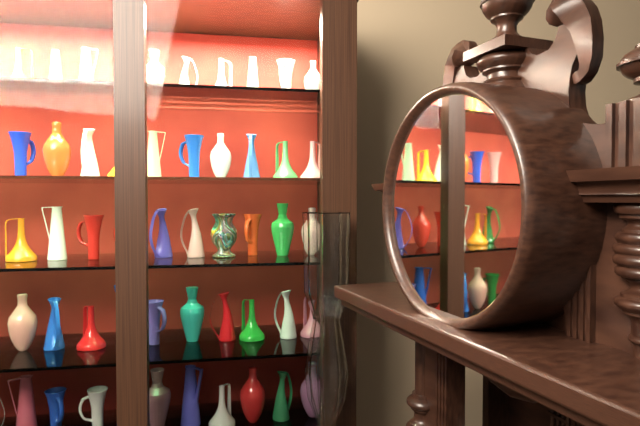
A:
h=8 m=19
